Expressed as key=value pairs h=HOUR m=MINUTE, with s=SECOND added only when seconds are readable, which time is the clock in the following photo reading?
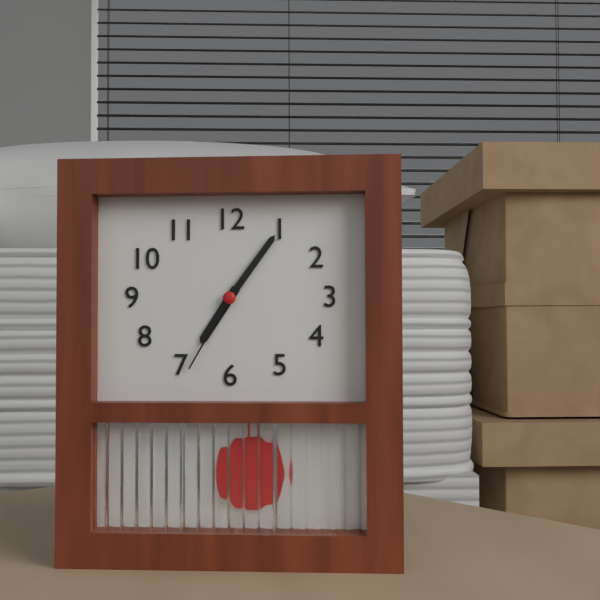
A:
h=7 m=6 s=35
